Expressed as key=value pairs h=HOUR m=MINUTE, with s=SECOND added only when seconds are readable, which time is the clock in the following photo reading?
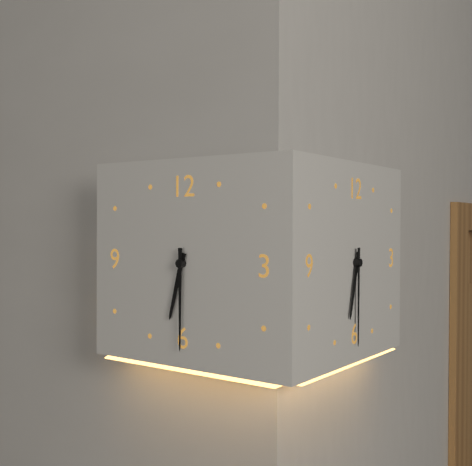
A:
h=6 m=30
